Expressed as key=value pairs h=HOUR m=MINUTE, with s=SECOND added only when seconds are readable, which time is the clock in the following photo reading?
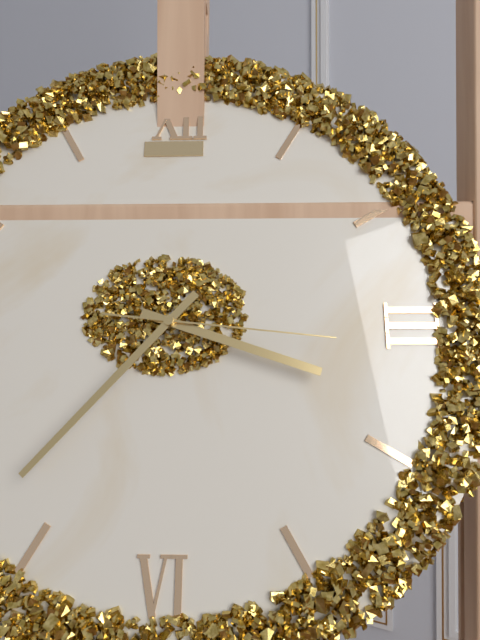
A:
h=3 m=37 s=16
